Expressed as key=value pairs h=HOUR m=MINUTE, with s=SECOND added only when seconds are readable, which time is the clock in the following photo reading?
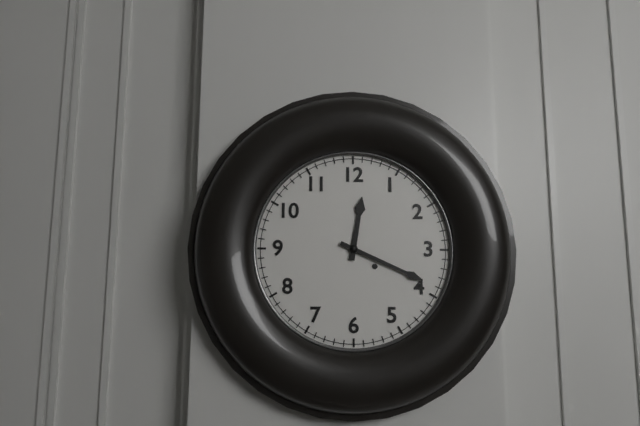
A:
h=12 m=19
